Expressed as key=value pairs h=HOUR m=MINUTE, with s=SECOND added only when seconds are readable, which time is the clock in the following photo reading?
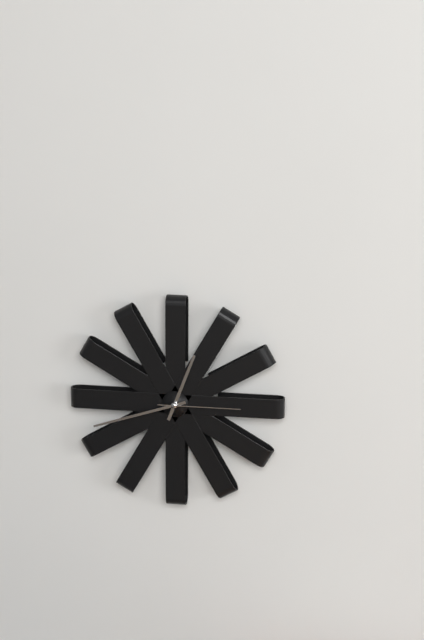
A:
h=12 m=42 s=15
